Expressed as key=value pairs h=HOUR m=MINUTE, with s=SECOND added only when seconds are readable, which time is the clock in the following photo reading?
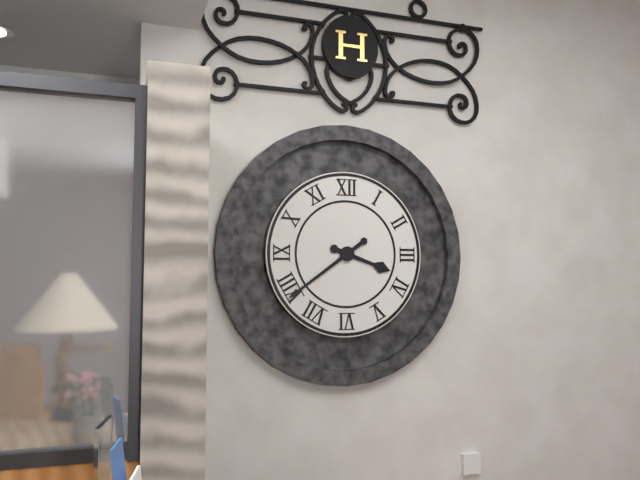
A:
h=3 m=39
